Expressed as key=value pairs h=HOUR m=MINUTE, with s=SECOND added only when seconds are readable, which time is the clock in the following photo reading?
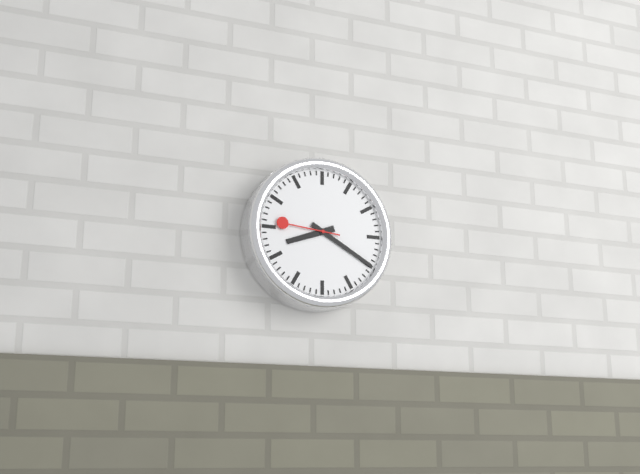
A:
h=8 m=20
